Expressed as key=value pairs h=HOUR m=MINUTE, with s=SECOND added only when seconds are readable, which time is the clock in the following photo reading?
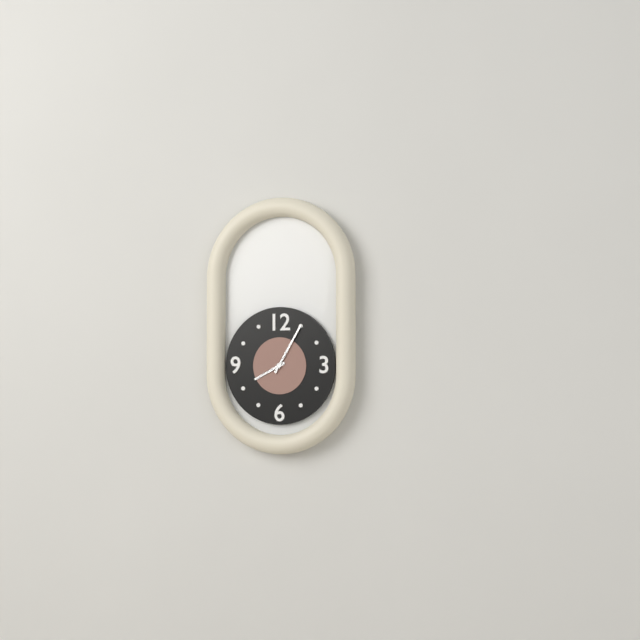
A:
h=8 m=5
